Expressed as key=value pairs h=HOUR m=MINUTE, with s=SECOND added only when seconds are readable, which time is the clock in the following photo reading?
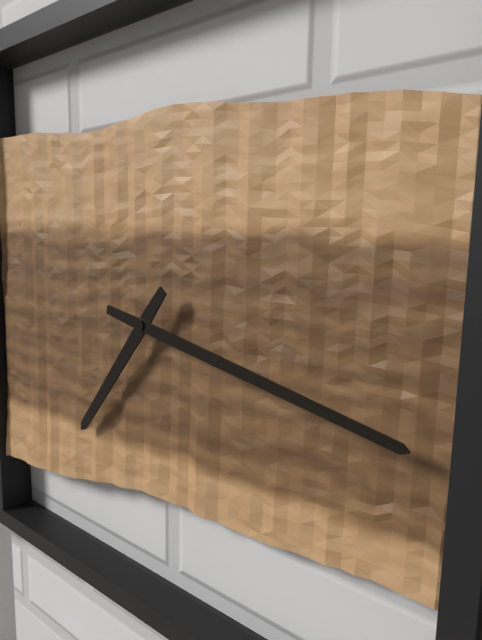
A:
h=7 m=17
